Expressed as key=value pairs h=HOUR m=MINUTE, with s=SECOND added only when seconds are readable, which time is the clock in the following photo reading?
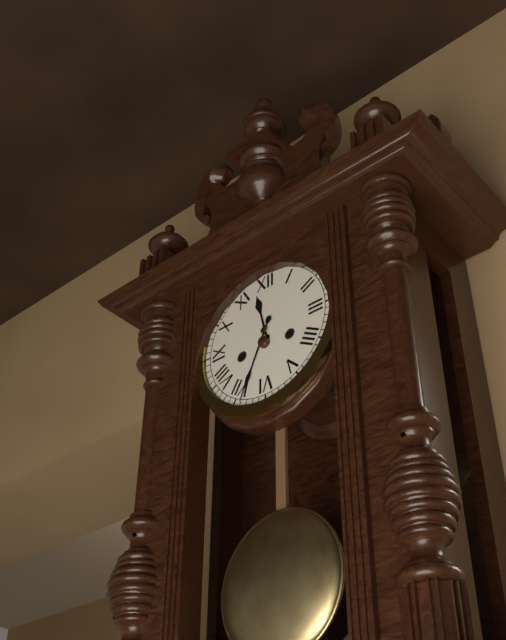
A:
h=11 m=34
